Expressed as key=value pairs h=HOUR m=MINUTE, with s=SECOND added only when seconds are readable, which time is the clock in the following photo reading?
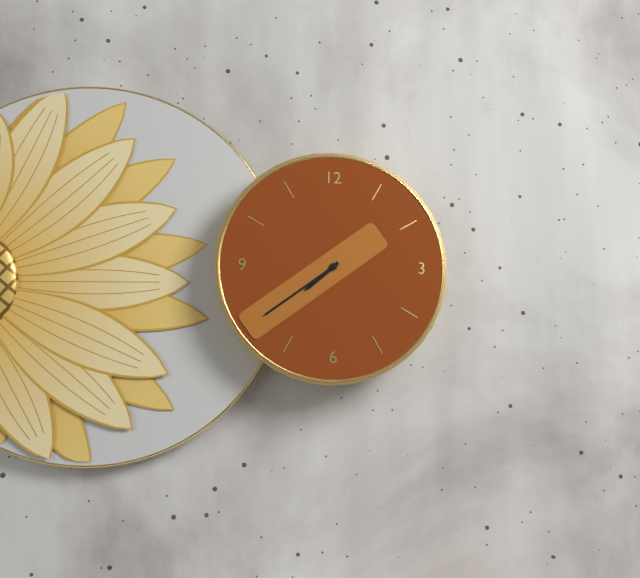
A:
h=7 m=39
